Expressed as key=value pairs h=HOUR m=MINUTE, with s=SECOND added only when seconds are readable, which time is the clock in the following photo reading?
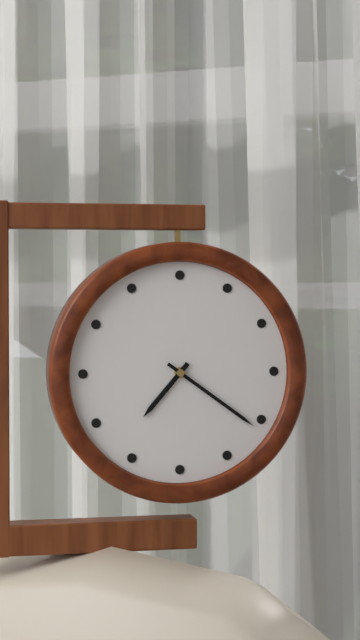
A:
h=7 m=21
